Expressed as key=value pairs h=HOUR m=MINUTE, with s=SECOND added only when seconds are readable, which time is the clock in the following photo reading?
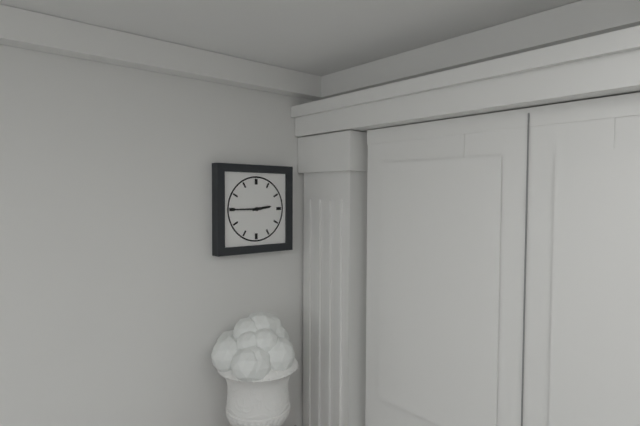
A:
h=2 m=45
